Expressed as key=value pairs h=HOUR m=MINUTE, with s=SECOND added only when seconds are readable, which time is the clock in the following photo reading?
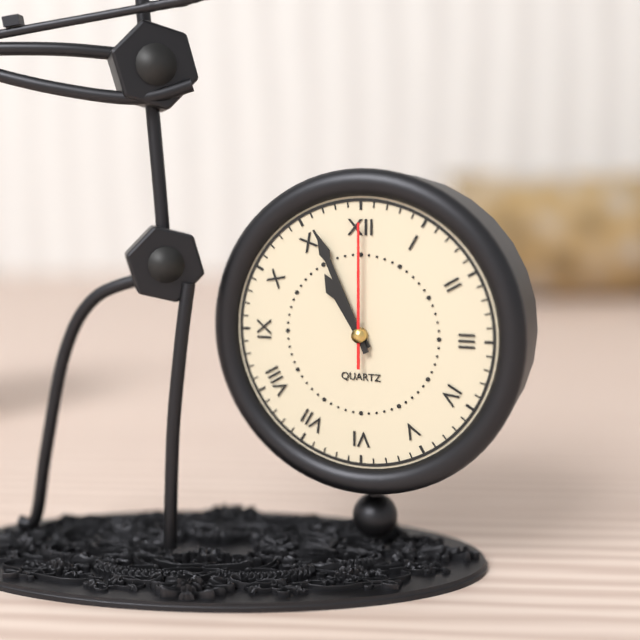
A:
h=10 m=56 s=0
